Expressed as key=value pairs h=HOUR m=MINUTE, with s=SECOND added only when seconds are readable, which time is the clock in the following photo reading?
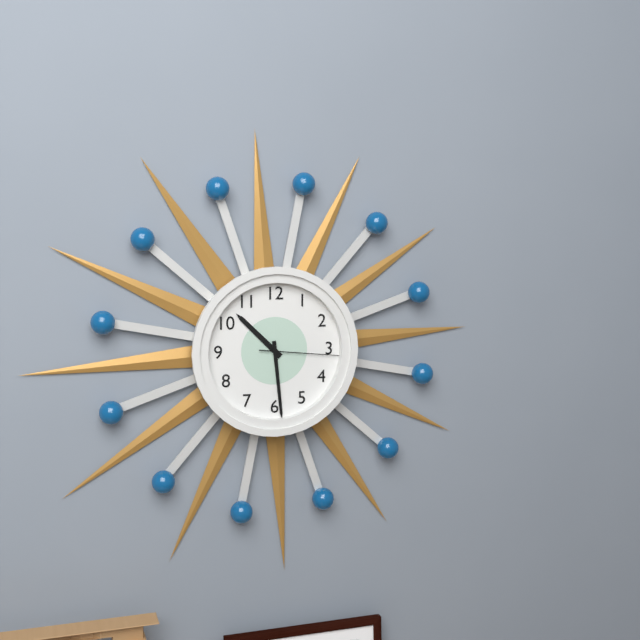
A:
h=10 m=29 s=16
